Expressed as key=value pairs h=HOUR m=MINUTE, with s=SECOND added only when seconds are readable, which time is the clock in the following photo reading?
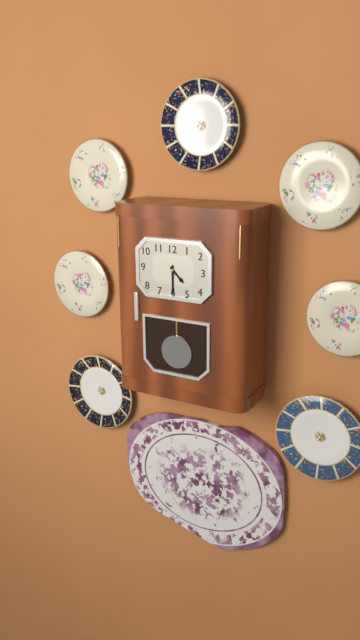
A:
h=4 m=30
